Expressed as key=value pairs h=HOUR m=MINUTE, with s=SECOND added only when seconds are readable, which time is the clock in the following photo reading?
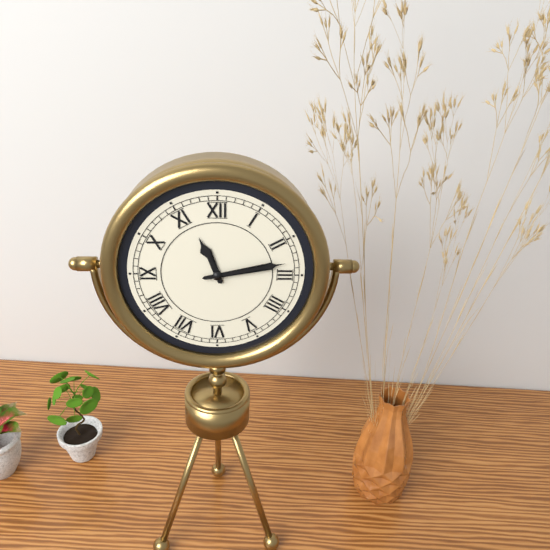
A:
h=11 m=13
